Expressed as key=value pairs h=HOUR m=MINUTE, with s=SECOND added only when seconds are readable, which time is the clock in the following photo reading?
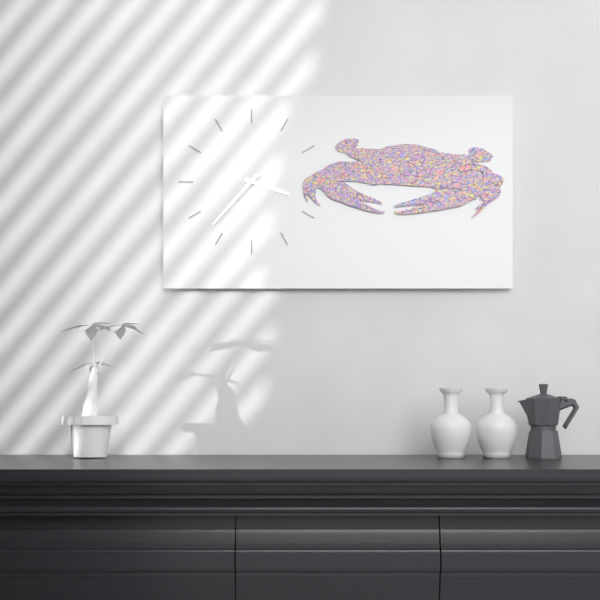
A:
h=3 m=37
